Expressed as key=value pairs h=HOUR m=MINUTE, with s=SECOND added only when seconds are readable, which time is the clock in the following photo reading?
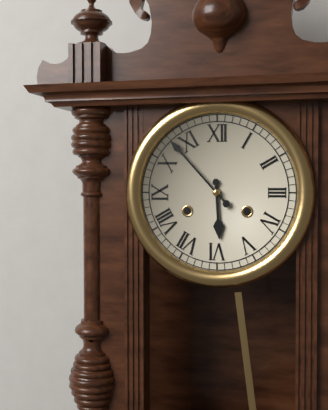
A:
h=5 m=53
